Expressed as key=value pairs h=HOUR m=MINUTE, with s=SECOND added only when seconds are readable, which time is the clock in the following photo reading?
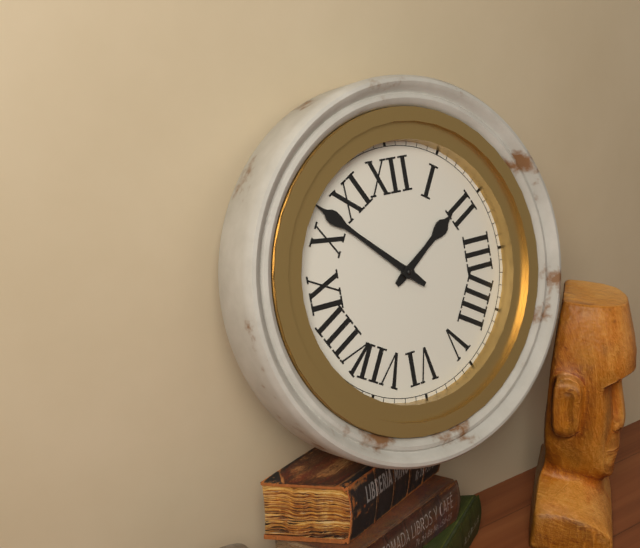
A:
h=1 m=52
